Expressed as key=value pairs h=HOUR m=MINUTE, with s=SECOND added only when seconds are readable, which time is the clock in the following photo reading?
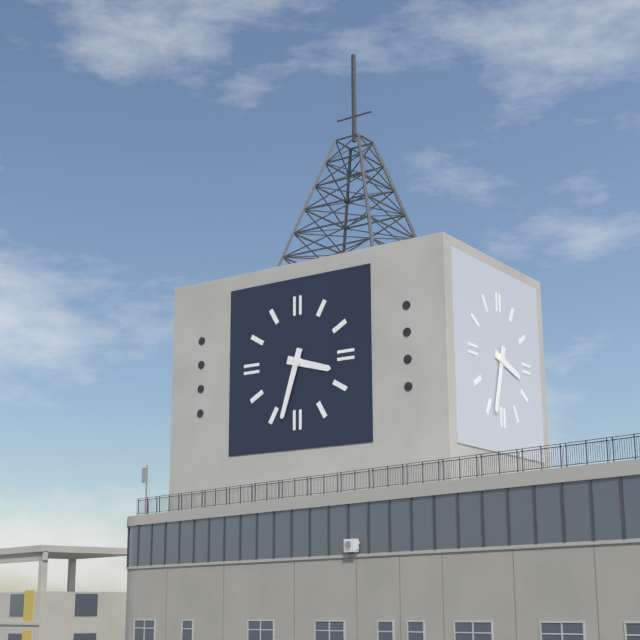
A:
h=3 m=33
